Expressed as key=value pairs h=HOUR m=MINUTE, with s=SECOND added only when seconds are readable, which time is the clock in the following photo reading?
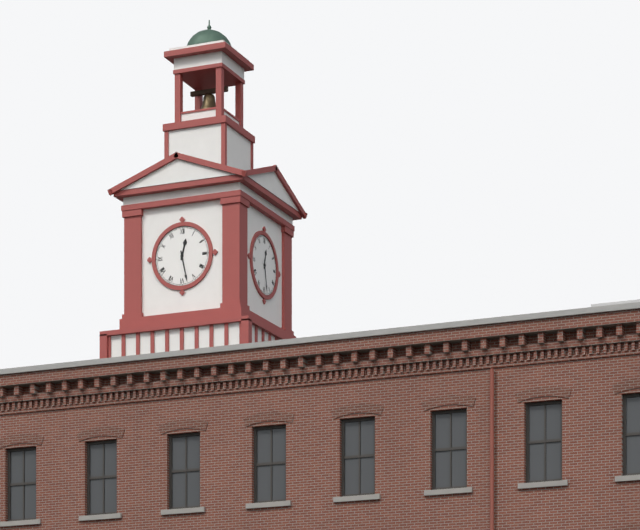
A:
h=12 m=28
